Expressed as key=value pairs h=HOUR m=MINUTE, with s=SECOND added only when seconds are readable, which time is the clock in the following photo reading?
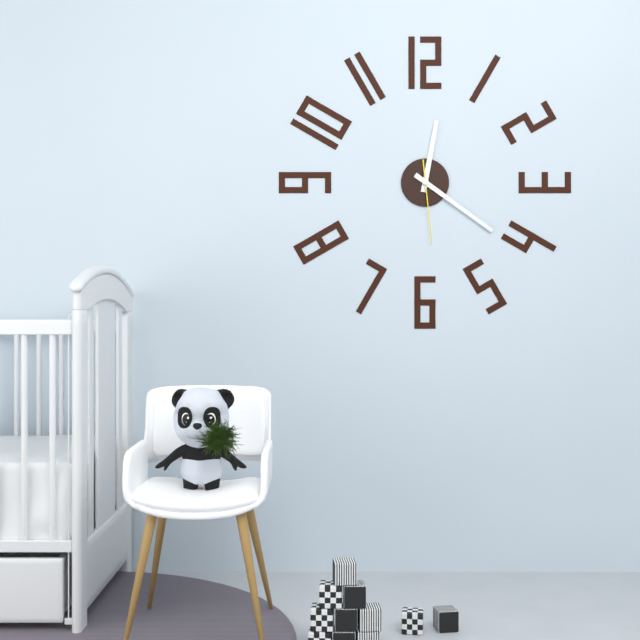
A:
h=12 m=21 s=29
